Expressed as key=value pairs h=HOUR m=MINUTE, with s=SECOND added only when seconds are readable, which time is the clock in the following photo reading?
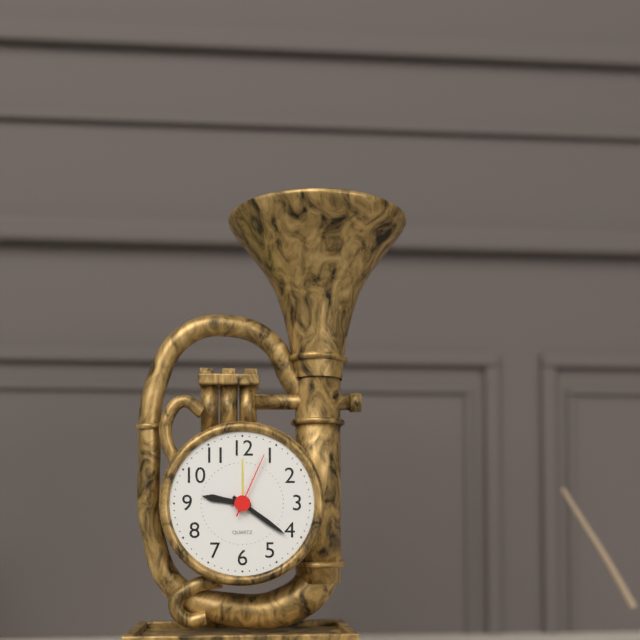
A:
h=9 m=21 s=4
